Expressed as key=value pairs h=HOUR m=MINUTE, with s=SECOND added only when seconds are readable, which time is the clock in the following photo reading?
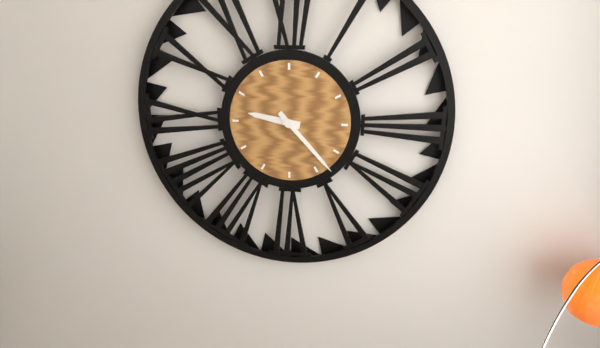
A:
h=9 m=23
